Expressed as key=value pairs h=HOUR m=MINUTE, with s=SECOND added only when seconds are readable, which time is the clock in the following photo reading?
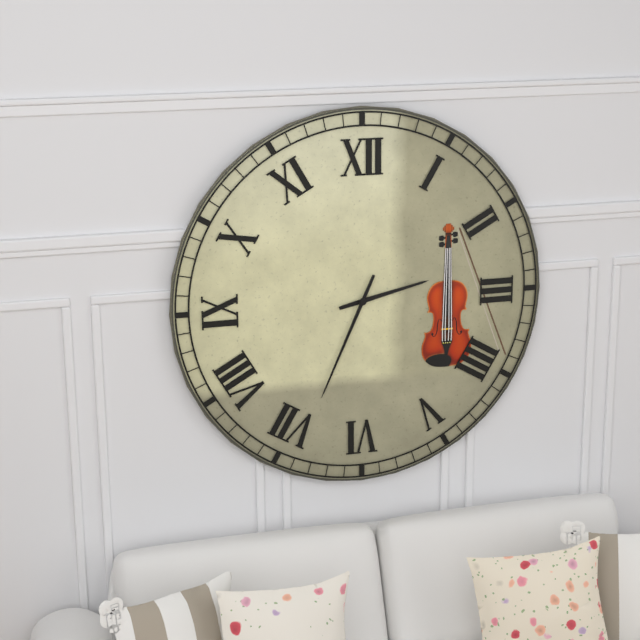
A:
h=2 m=34
